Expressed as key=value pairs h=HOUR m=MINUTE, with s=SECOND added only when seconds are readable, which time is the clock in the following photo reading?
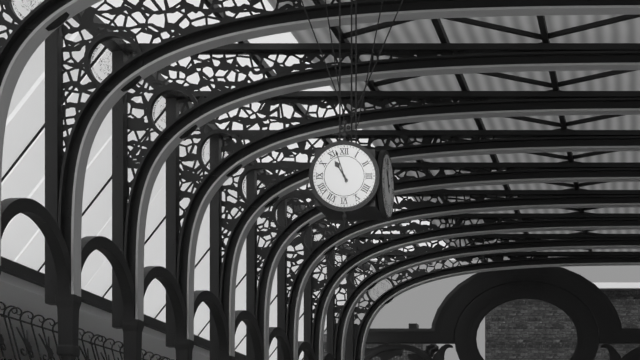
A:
h=10 m=57
